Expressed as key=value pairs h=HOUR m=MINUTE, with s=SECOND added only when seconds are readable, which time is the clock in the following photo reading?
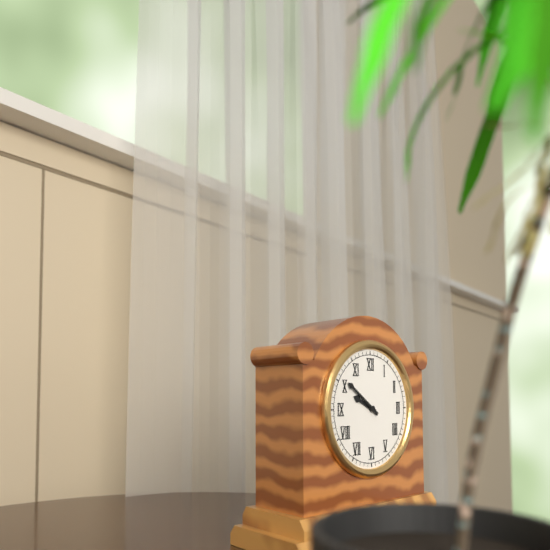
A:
h=9 m=51
